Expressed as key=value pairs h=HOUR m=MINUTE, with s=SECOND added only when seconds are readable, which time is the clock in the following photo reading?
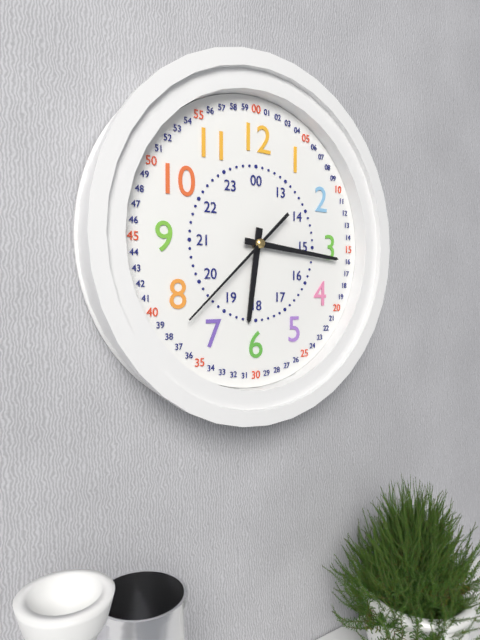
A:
h=6 m=16 s=38
